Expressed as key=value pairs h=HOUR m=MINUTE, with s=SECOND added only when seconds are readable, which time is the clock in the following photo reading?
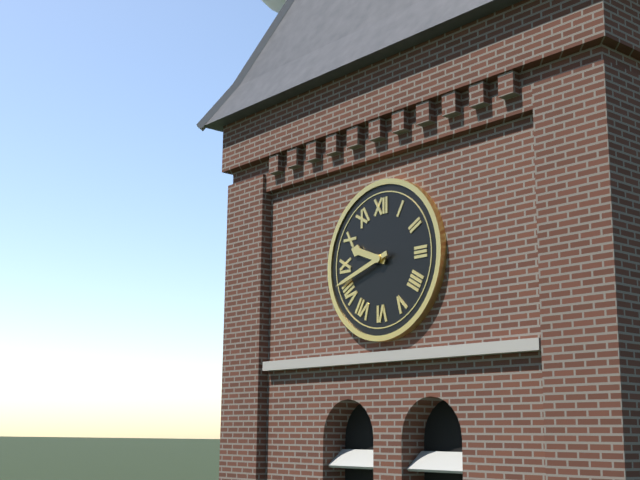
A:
h=9 m=42
